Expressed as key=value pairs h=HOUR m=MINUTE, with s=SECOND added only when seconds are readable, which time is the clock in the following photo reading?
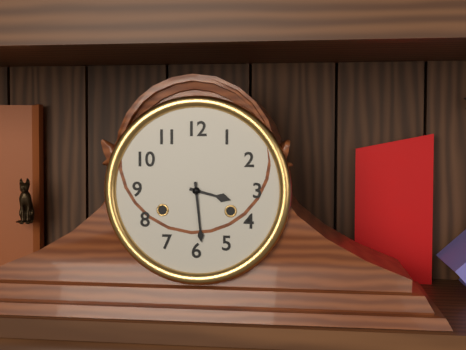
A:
h=3 m=29
